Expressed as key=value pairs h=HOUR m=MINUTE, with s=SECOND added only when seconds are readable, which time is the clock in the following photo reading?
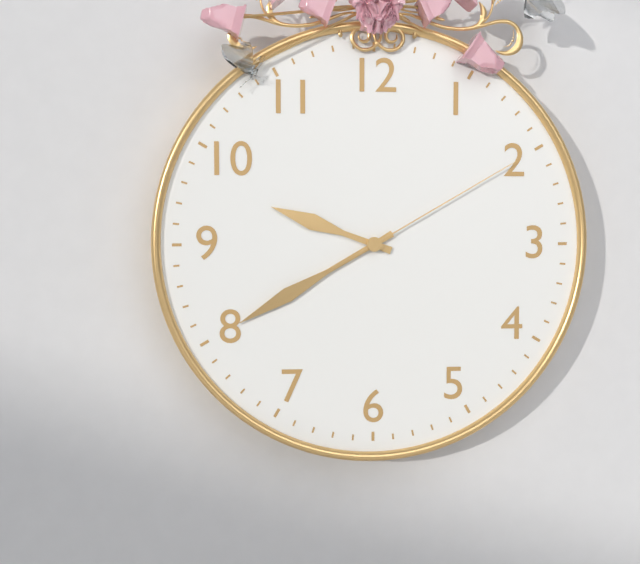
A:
h=9 m=40 s=10
